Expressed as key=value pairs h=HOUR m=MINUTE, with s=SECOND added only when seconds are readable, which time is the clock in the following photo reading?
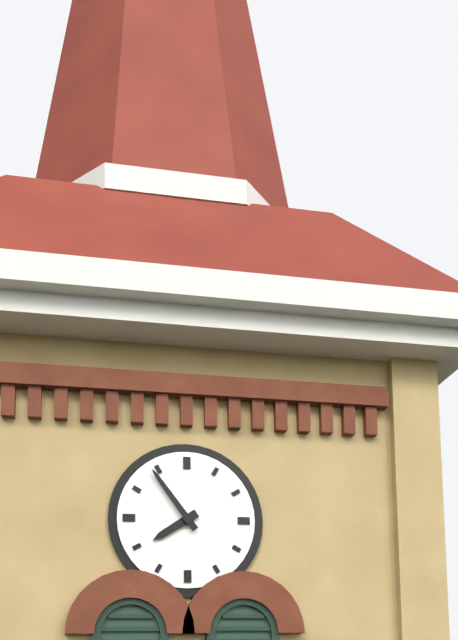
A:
h=7 m=54
